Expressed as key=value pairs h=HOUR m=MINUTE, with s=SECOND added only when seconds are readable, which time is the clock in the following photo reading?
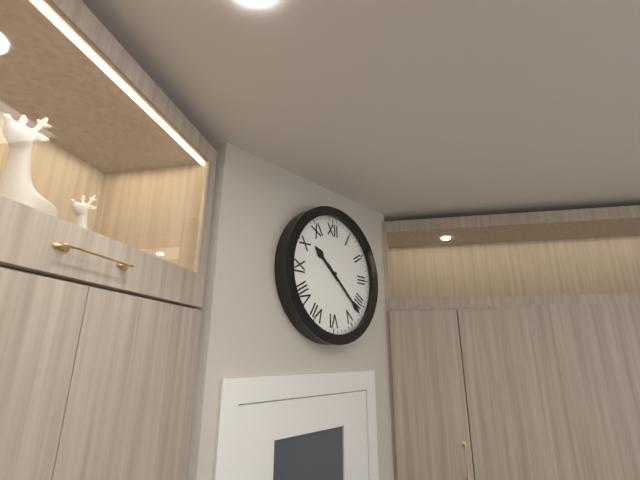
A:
h=10 m=22
